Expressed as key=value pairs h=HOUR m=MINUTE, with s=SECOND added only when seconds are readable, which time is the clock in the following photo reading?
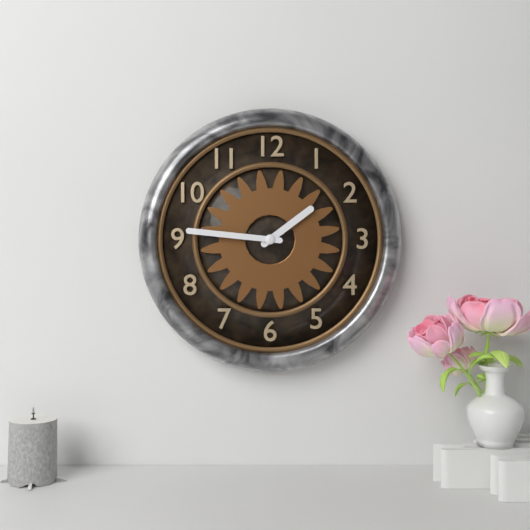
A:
h=1 m=46
